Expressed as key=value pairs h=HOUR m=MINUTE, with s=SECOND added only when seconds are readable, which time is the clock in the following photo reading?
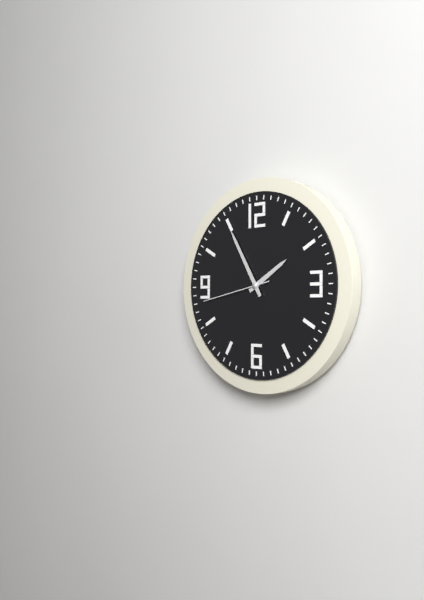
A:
h=1 m=55 s=43
